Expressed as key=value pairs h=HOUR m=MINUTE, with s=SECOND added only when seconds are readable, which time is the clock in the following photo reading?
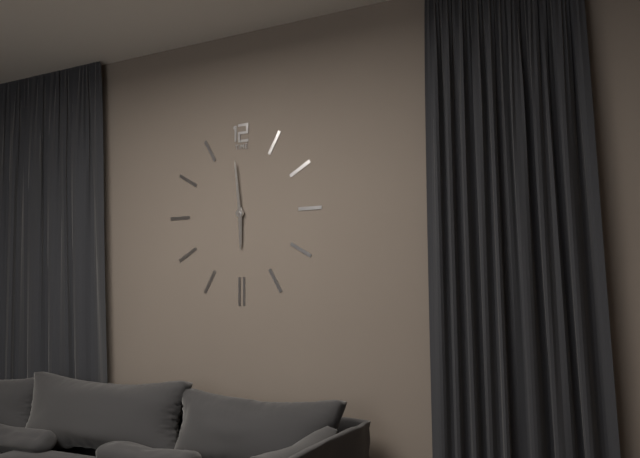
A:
h=5 m=59
